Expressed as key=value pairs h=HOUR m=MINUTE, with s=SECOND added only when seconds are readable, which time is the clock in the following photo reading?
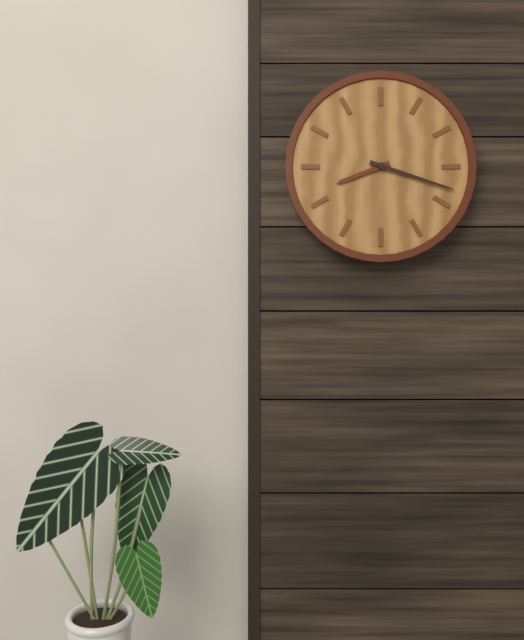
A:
h=8 m=18
